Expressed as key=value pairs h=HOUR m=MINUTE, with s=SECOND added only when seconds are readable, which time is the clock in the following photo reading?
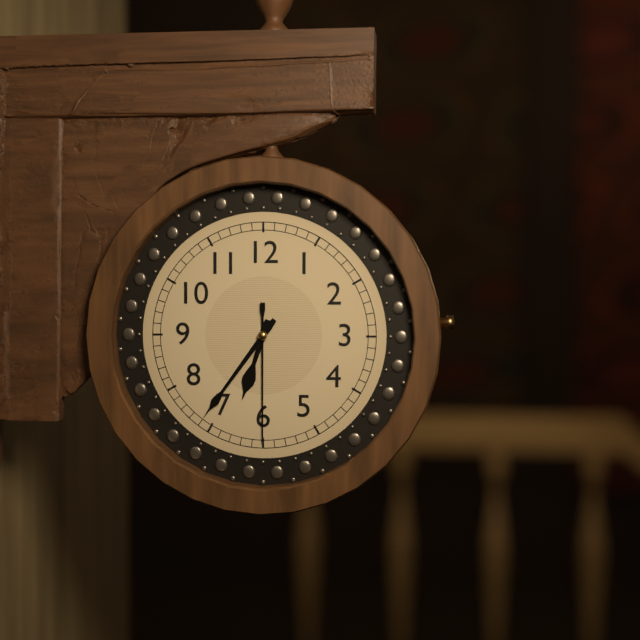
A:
h=6 m=36 s=30
